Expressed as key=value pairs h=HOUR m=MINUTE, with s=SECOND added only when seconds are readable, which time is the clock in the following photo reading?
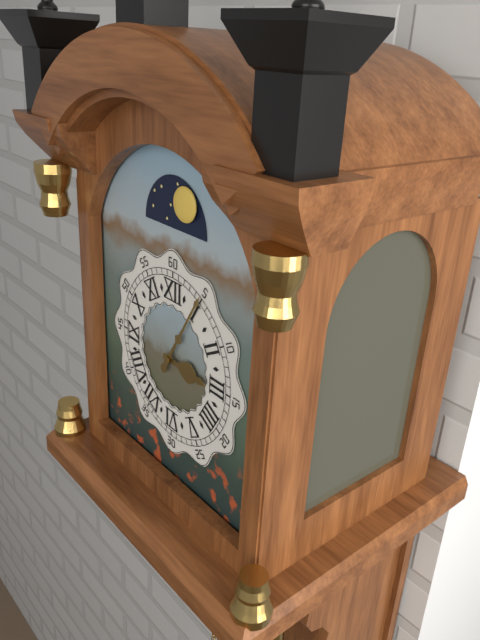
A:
h=3 m=5
